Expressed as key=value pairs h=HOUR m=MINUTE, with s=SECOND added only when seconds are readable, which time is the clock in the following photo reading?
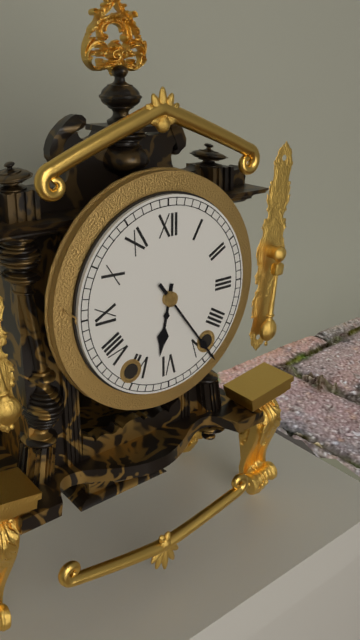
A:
h=6 m=24
